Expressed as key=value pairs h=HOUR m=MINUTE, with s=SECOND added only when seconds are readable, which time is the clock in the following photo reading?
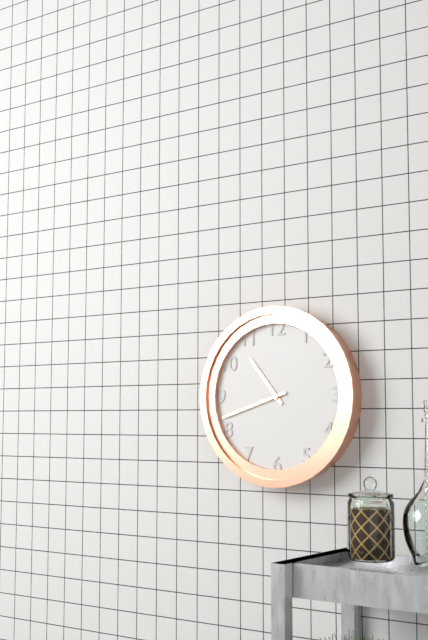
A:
h=10 m=42
